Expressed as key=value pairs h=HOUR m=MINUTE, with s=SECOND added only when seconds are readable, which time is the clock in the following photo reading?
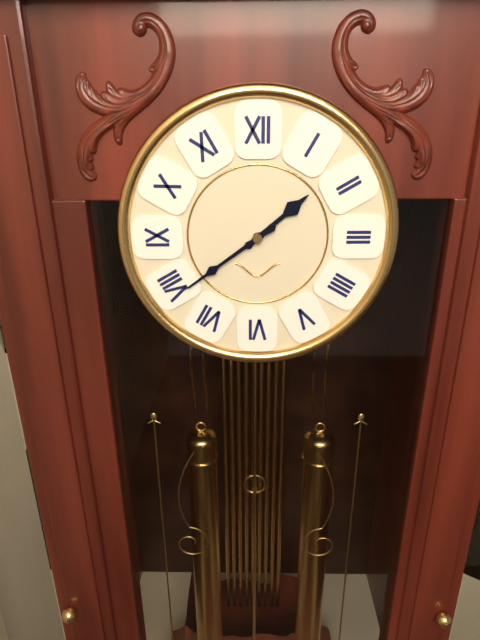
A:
h=1 m=39
